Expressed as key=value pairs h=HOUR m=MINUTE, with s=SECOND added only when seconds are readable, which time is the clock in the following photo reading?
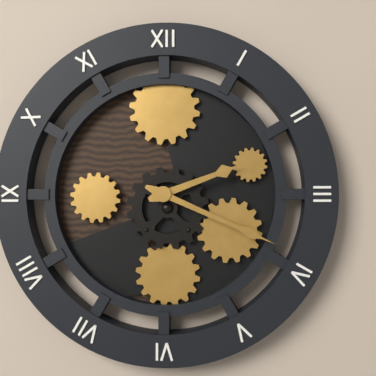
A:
h=2 m=19
